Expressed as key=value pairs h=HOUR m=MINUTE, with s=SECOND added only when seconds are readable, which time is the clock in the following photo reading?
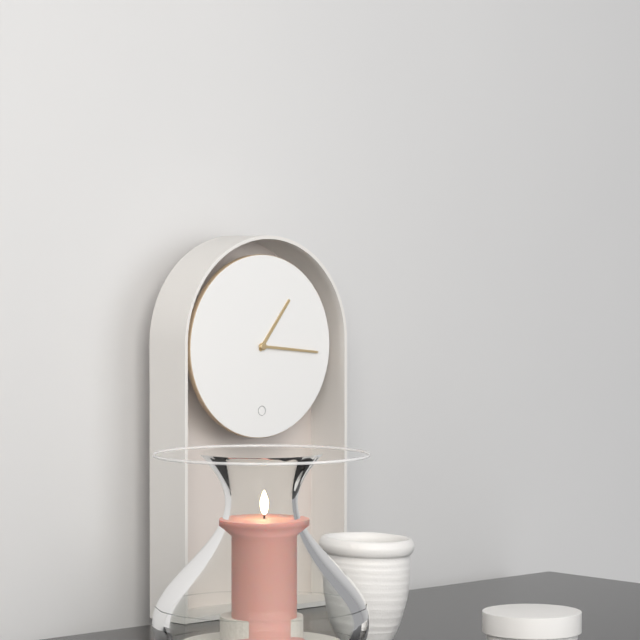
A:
h=1 m=16
